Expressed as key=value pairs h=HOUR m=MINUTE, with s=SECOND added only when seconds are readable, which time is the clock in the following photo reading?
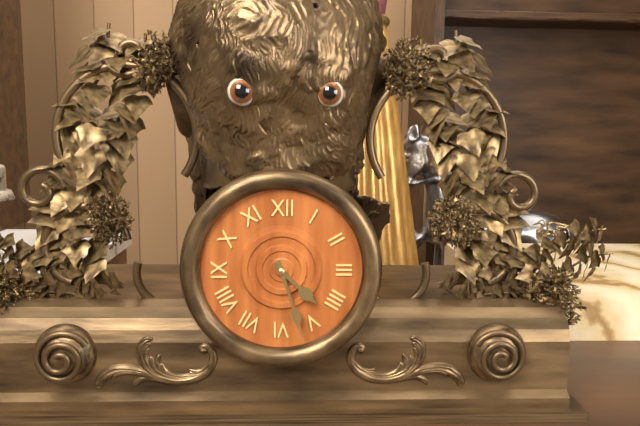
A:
h=4 m=27
